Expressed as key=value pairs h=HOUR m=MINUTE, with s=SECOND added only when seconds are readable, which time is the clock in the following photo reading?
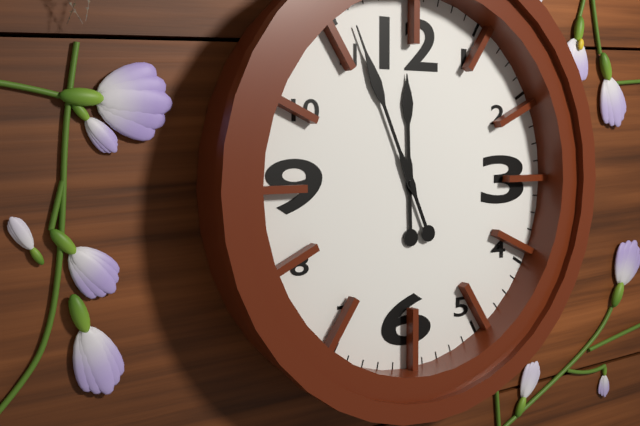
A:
h=11 m=56
